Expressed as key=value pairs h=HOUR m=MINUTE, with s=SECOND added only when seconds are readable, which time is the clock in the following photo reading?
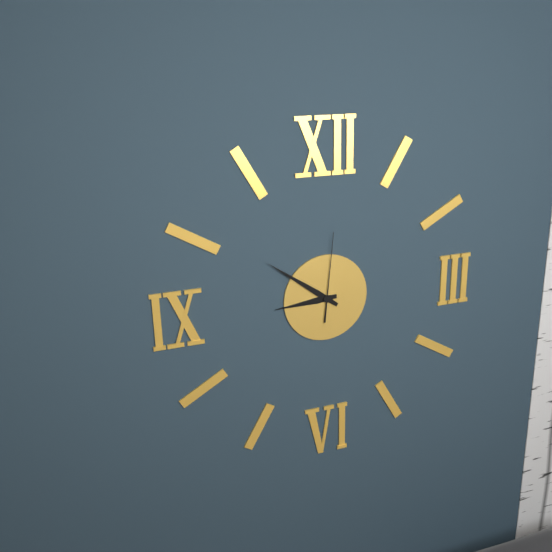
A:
h=8 m=51 s=1
